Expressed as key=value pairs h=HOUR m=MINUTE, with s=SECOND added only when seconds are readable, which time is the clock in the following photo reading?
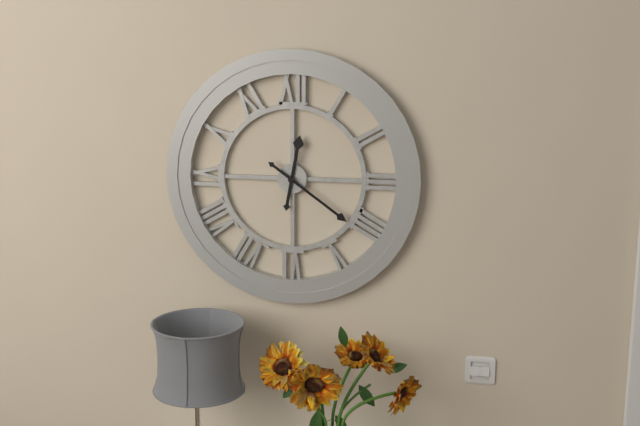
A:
h=12 m=21
